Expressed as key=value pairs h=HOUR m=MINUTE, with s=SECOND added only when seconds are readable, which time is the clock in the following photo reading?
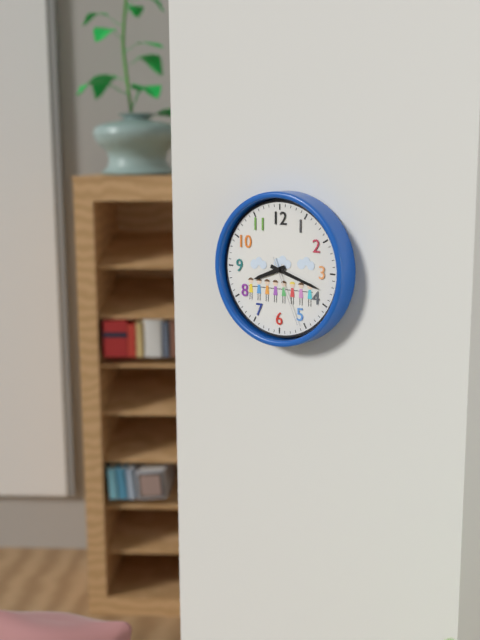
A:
h=8 m=18 s=26
